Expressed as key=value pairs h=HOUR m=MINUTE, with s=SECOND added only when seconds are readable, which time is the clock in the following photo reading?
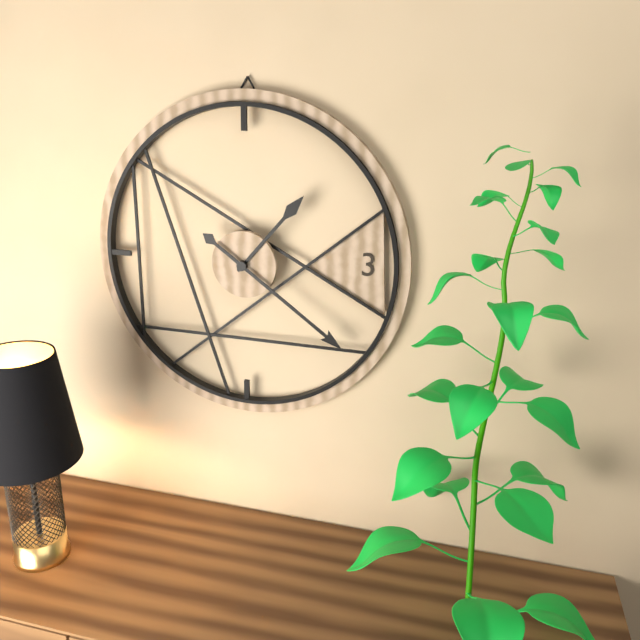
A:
h=1 m=21
